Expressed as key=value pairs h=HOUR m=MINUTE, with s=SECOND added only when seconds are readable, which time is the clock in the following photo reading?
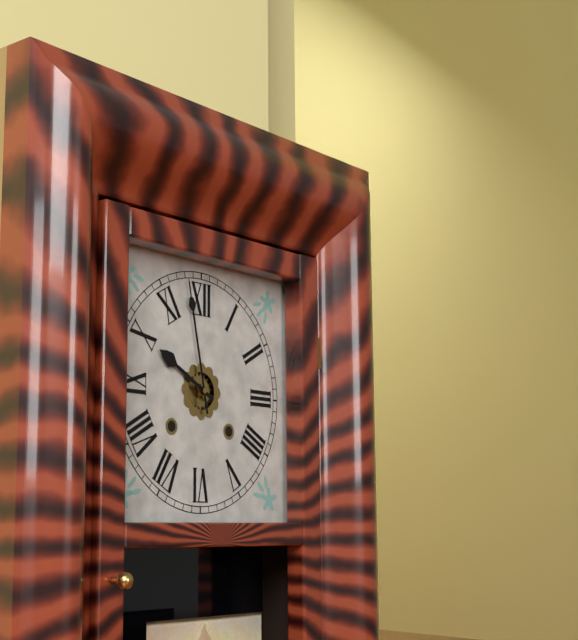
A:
h=9 m=58
